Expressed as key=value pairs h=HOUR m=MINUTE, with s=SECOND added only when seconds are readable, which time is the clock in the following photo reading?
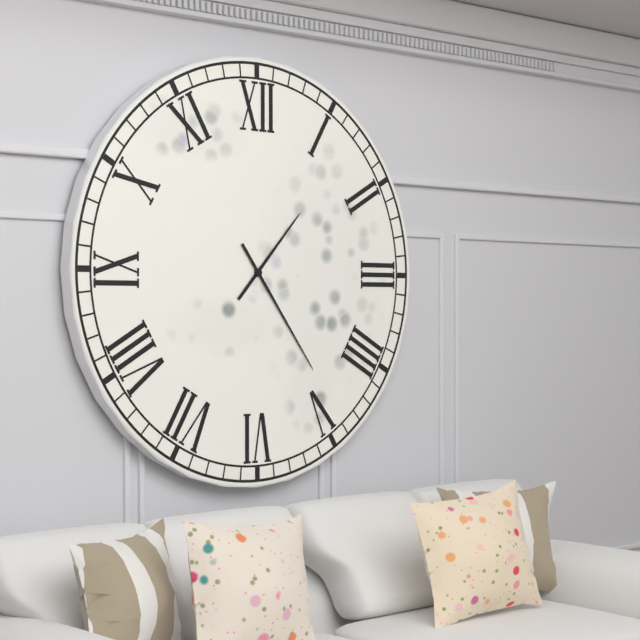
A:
h=1 m=24
